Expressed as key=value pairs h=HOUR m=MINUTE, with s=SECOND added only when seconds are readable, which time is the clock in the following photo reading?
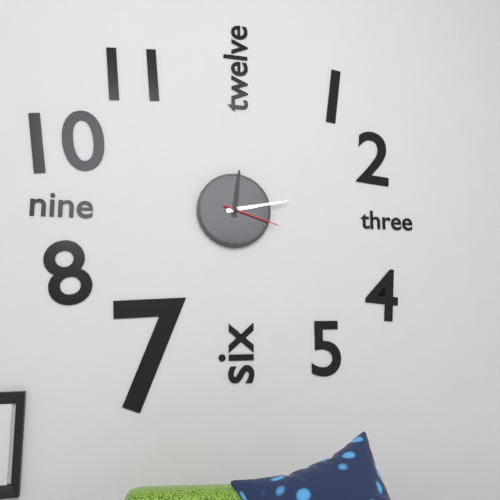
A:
h=12 m=13 s=18
